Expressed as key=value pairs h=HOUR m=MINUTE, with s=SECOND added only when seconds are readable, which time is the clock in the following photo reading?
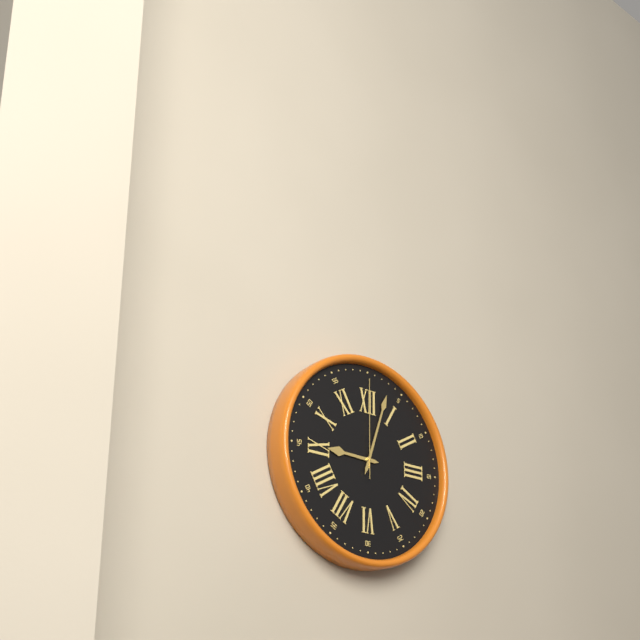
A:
h=9 m=3 s=0
